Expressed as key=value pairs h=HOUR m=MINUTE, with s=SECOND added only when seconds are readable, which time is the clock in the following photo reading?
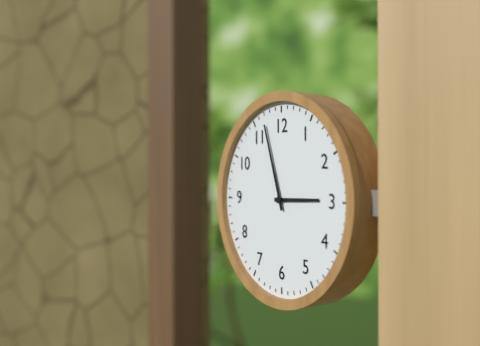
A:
h=2 m=57
